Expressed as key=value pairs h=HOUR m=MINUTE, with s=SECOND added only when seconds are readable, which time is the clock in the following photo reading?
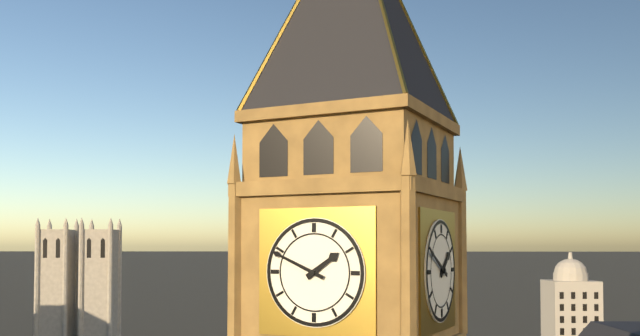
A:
h=1 m=49
